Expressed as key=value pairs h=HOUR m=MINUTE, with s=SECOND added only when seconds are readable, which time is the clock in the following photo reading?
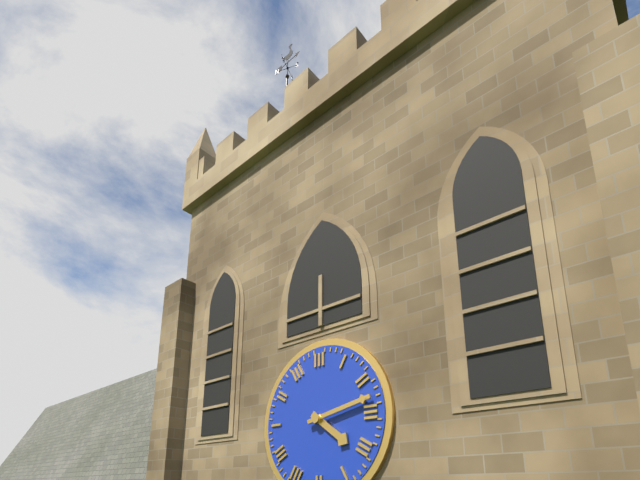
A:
h=4 m=13
